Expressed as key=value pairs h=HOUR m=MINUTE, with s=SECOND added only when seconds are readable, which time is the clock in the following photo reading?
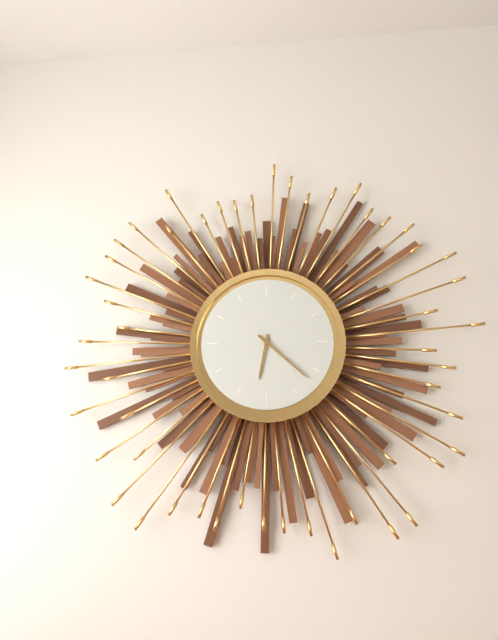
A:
h=6 m=22
